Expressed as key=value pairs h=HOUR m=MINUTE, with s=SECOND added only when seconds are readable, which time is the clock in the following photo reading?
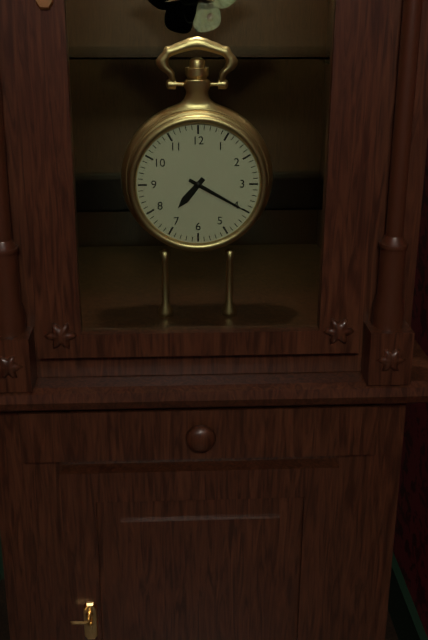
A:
h=7 m=20
